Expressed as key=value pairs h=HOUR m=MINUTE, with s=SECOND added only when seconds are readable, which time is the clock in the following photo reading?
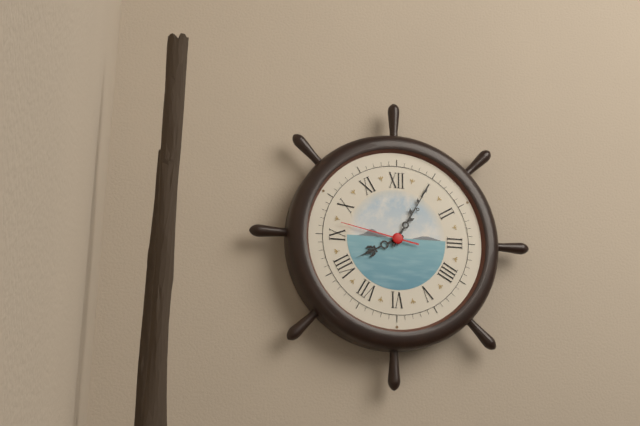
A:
h=8 m=5 s=47
